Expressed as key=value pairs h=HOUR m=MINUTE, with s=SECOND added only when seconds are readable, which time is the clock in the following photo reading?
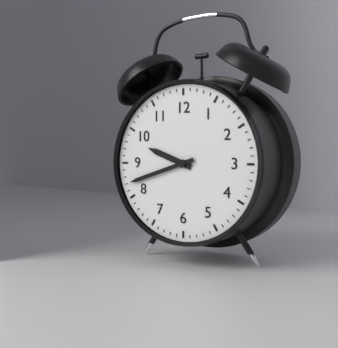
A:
h=9 m=42
